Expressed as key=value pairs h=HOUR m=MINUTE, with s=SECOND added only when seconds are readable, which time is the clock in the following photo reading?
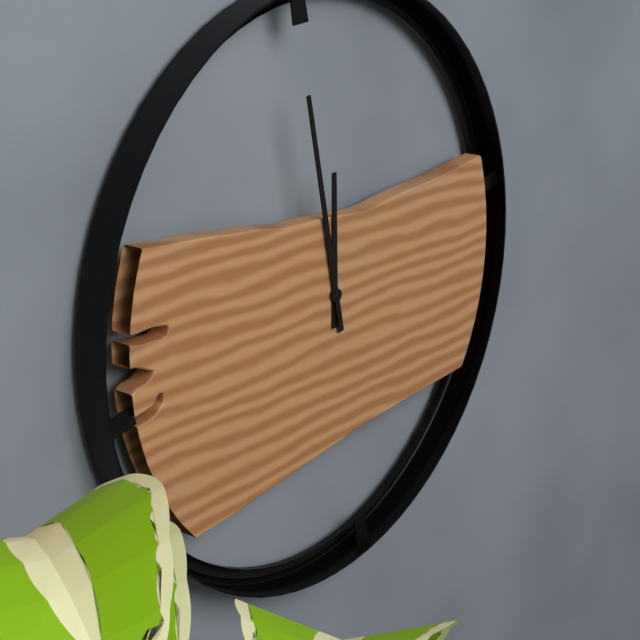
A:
h=11 m=58
